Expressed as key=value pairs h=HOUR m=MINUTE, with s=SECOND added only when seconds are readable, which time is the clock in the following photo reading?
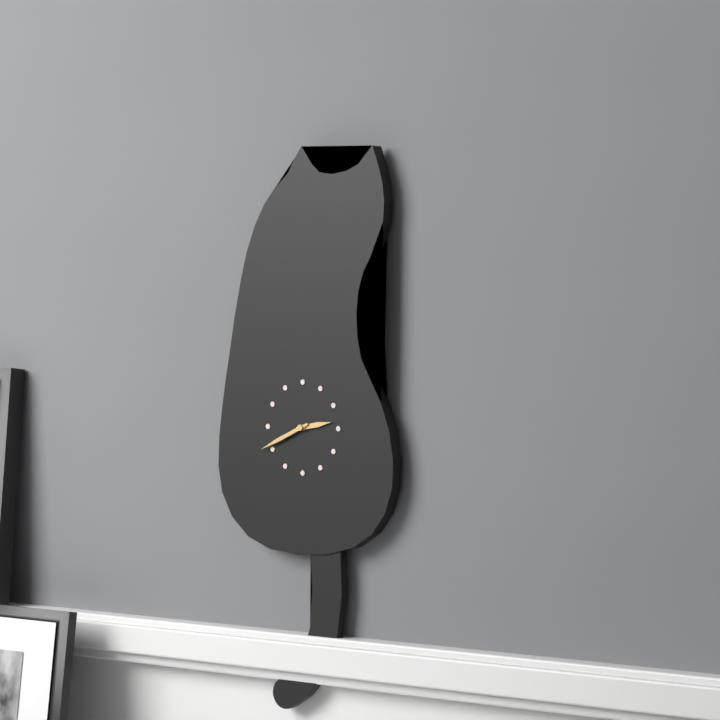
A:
h=2 m=41
